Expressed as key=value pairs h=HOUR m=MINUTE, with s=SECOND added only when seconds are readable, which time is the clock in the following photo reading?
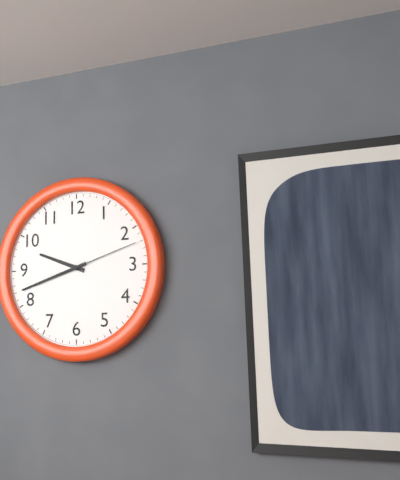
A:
h=9 m=42 s=12
